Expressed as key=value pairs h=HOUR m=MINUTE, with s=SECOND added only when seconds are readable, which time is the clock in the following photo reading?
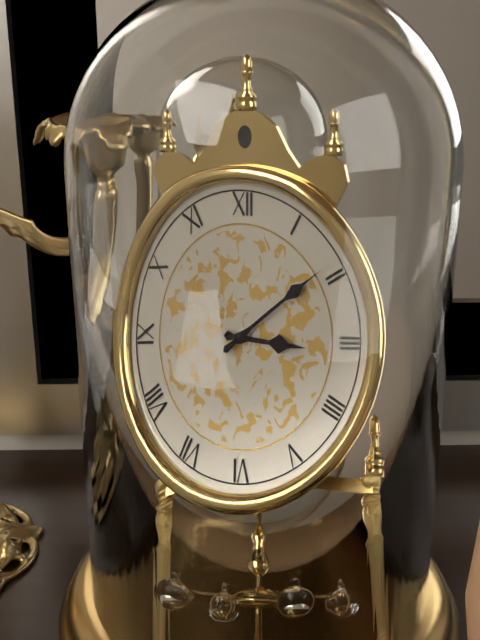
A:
h=3 m=9
